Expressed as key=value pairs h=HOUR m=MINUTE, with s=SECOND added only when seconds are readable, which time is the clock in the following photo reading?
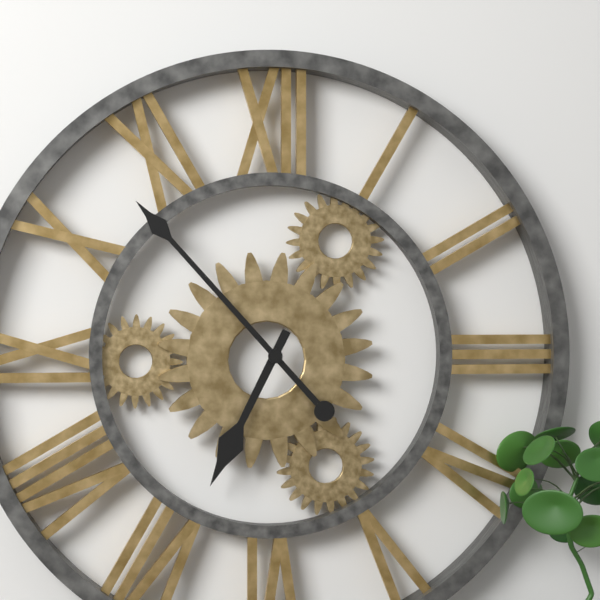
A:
h=6 m=53
